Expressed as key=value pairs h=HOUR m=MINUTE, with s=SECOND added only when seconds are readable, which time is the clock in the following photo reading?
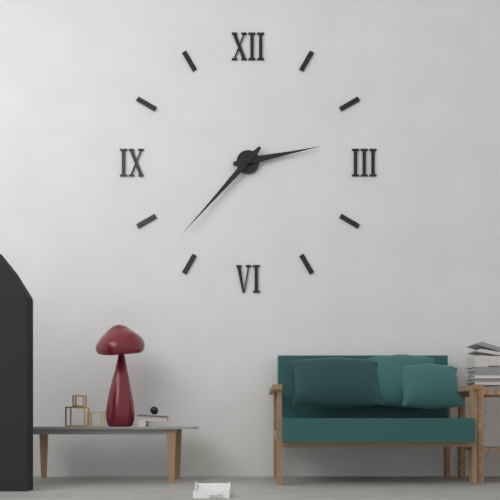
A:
h=2 m=37
